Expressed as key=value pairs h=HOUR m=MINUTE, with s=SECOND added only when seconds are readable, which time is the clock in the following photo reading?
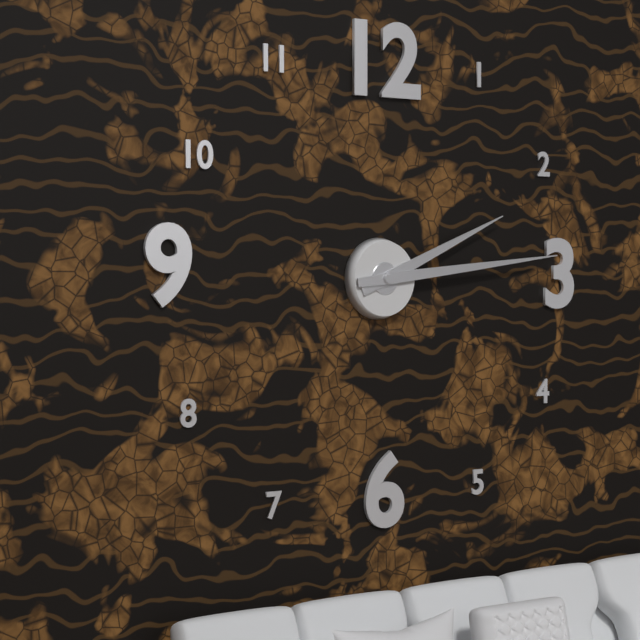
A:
h=2 m=14
